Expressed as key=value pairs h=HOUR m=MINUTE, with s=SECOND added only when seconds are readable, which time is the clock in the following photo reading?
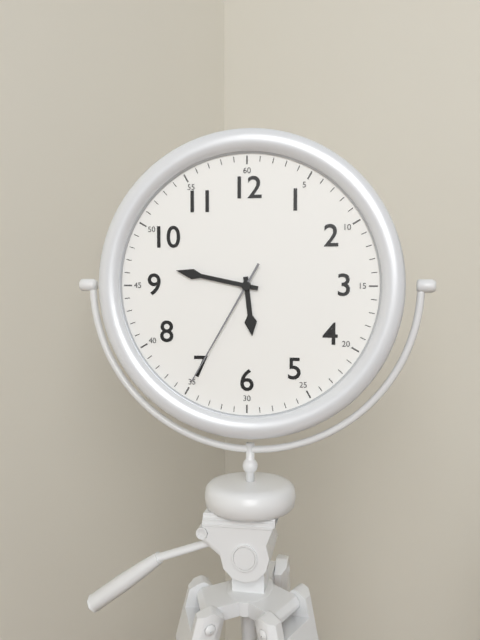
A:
h=5 m=47 s=35
